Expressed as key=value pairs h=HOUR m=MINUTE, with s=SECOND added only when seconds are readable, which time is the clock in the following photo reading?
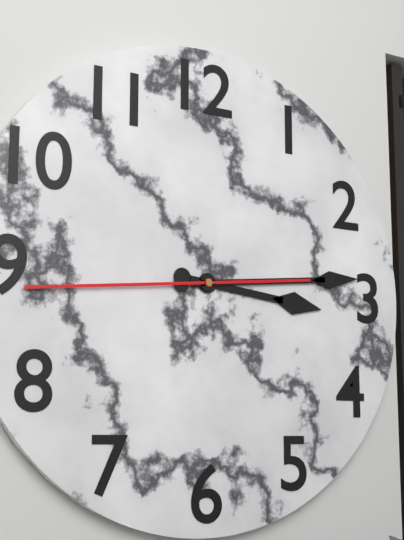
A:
h=3 m=14 s=44
